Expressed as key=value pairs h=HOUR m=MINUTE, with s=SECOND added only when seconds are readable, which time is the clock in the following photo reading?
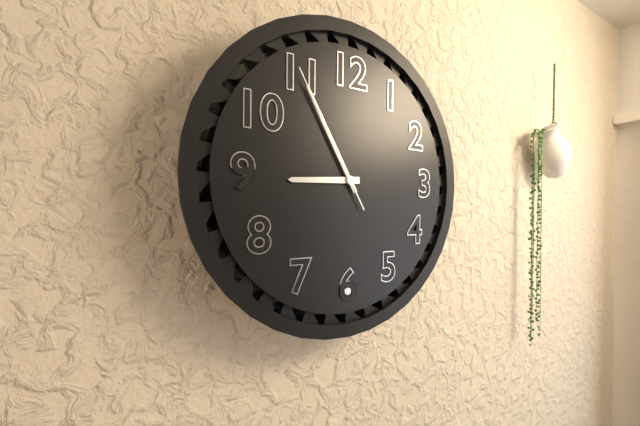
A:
h=8 m=55 s=55
